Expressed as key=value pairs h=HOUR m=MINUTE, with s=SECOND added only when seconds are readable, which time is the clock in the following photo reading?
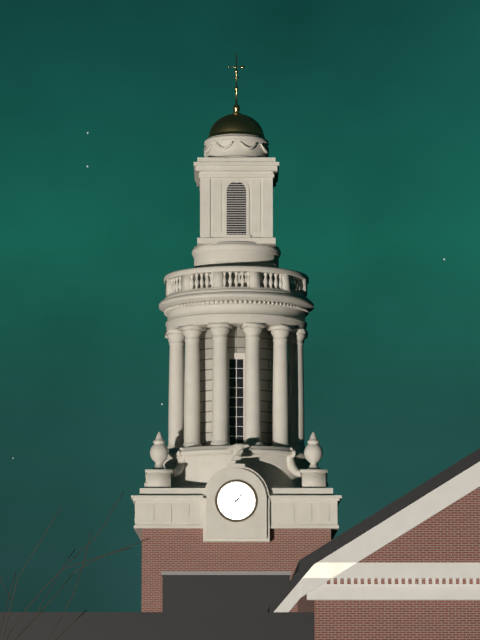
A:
h=1 m=18
